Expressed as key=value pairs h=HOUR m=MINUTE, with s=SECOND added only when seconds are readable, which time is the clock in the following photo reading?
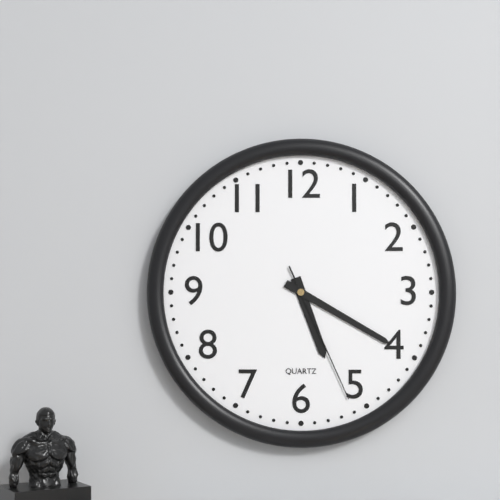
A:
h=5 m=20 s=26
